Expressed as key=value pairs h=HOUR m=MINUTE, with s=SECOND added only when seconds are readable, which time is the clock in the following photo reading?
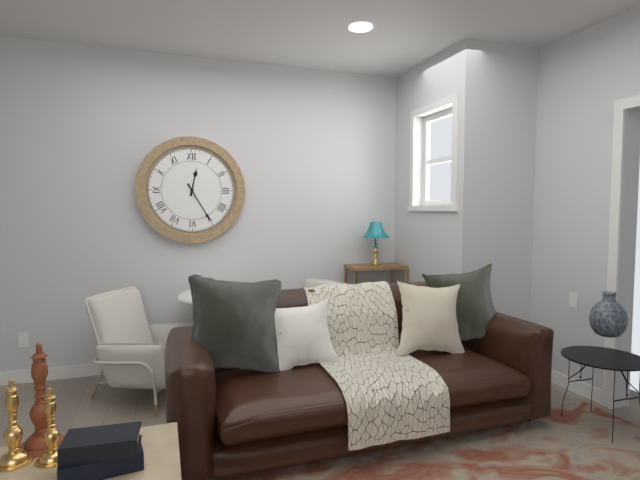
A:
h=12 m=25
